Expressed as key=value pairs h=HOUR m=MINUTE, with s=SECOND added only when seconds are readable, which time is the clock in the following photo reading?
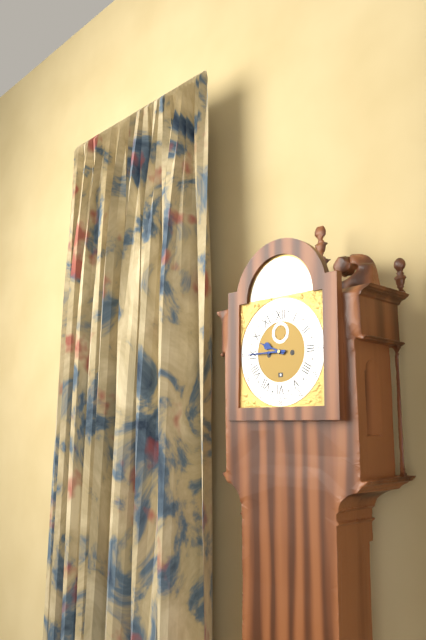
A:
h=9 m=45
